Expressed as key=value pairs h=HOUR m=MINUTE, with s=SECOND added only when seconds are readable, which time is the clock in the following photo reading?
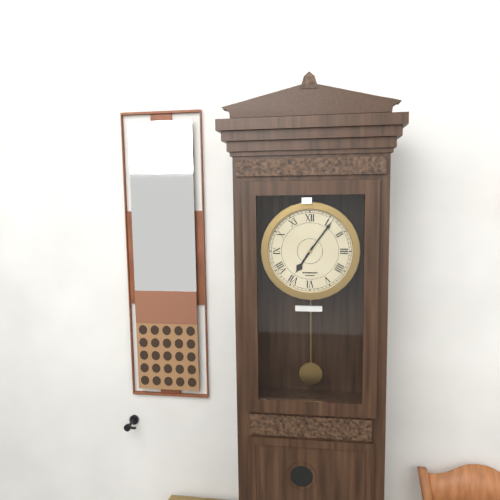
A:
h=7 m=6
